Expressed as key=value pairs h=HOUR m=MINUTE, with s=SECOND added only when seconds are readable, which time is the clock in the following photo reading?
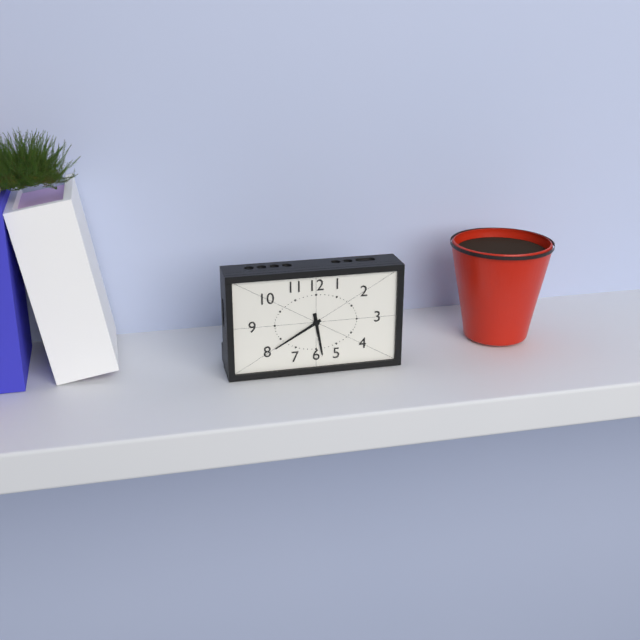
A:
h=5 m=40
